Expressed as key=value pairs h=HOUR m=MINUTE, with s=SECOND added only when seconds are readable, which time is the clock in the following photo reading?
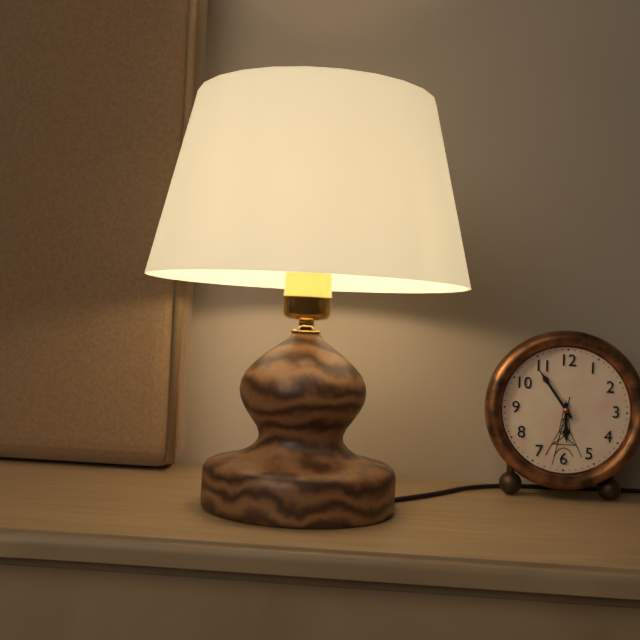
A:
h=5 m=54 s=32
